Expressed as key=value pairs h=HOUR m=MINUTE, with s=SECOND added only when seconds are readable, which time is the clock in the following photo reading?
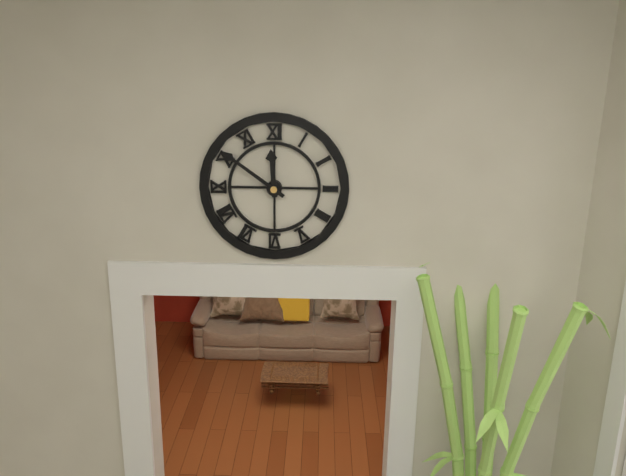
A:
h=11 m=51
